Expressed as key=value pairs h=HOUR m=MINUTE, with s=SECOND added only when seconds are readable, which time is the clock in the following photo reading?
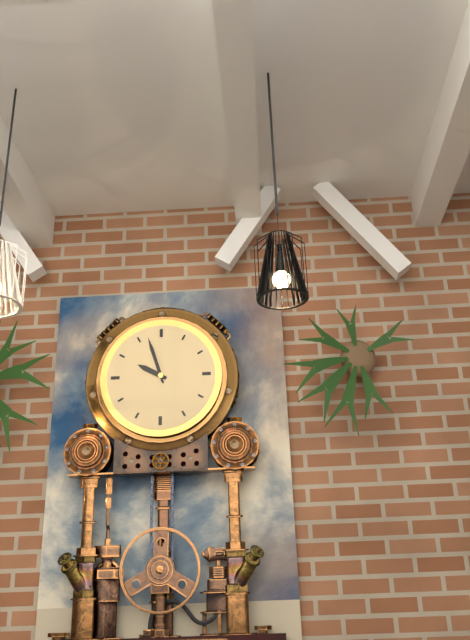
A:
h=9 m=57
